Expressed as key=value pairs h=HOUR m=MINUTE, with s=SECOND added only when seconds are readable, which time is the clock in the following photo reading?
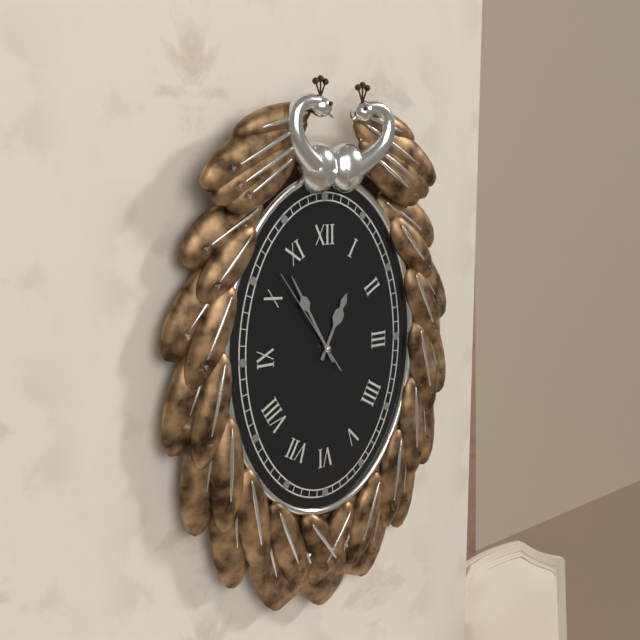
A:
h=12 m=55 s=54
